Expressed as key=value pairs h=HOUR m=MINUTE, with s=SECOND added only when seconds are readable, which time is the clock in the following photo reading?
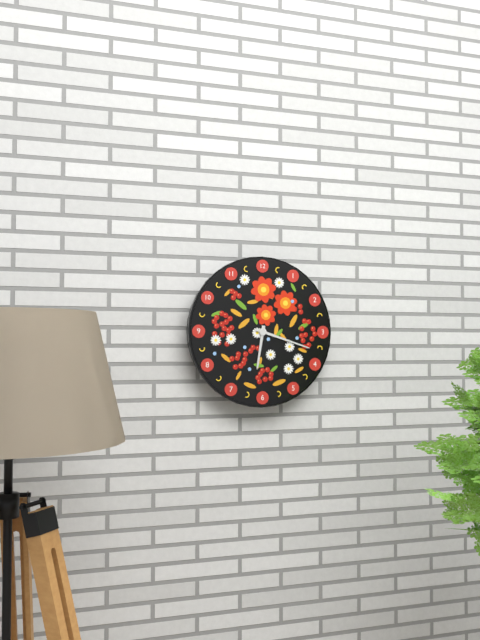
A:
h=6 m=18
